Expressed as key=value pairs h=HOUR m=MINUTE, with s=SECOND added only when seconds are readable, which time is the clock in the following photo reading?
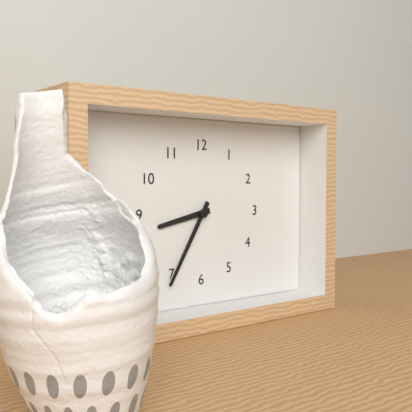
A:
h=8 m=35
